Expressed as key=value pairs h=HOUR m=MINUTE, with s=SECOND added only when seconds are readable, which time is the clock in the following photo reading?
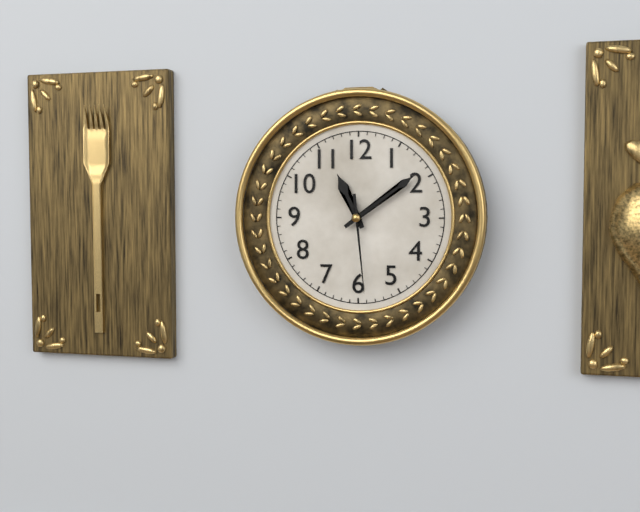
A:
h=11 m=9 s=29
